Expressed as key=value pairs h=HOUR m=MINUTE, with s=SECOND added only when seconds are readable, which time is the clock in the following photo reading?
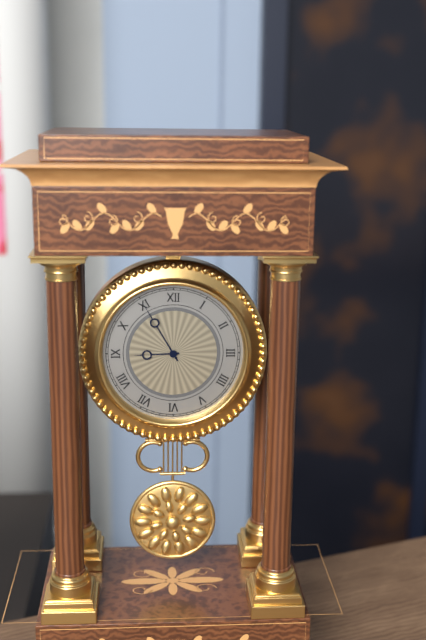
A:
h=8 m=55
